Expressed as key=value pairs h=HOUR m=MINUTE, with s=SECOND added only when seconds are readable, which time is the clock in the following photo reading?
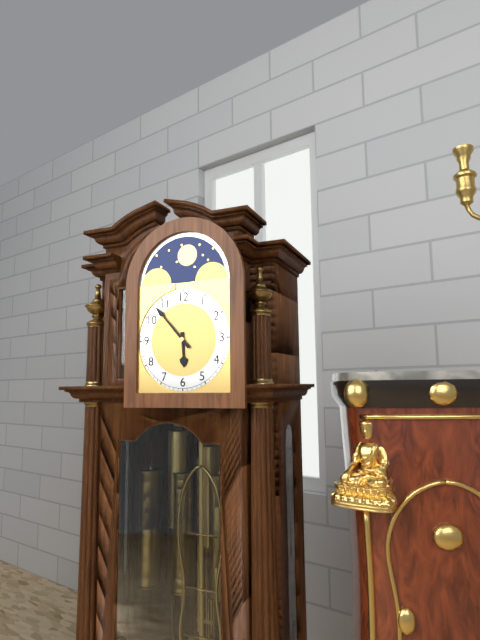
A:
h=5 m=53
